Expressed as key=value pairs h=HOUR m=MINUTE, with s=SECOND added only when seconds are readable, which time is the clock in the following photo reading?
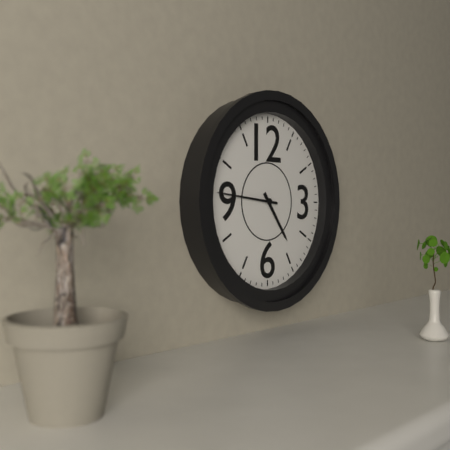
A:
h=4 m=46
